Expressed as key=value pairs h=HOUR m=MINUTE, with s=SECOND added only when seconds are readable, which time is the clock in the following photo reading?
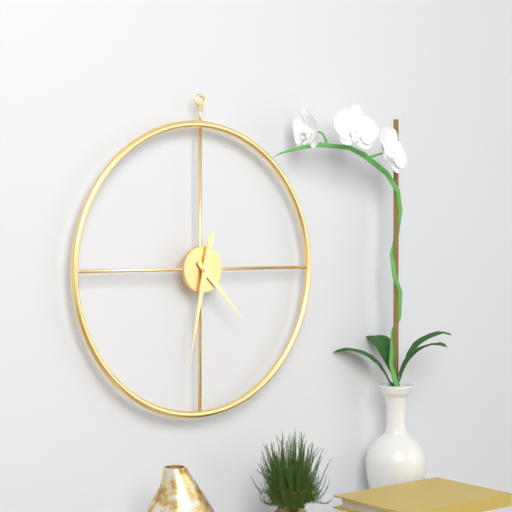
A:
h=4 m=32
